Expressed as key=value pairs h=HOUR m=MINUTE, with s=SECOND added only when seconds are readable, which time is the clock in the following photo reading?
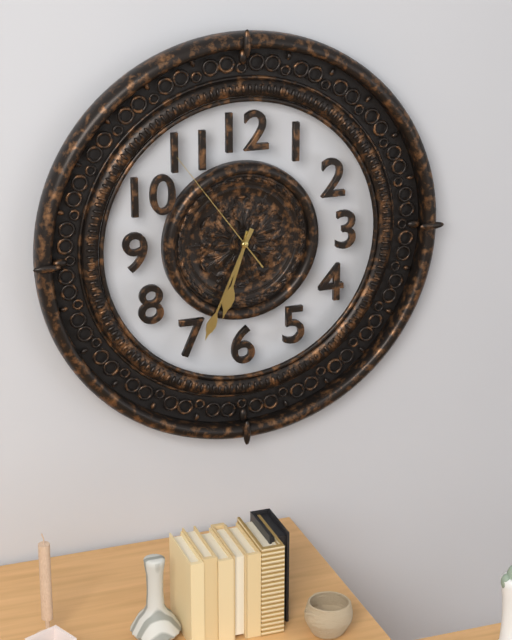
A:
h=6 m=34 s=54
